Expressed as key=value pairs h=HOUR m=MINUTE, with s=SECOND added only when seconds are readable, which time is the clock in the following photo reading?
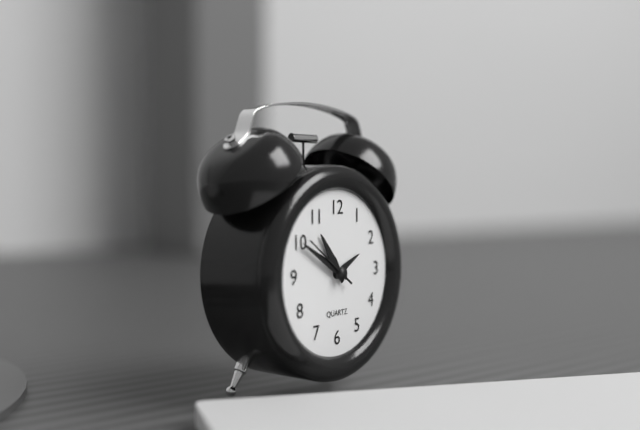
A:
h=10 m=50 s=51
